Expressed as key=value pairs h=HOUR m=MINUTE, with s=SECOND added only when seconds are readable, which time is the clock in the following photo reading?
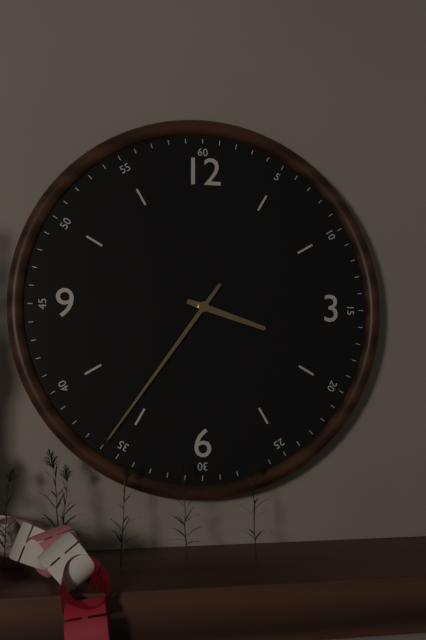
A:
h=3 m=36
